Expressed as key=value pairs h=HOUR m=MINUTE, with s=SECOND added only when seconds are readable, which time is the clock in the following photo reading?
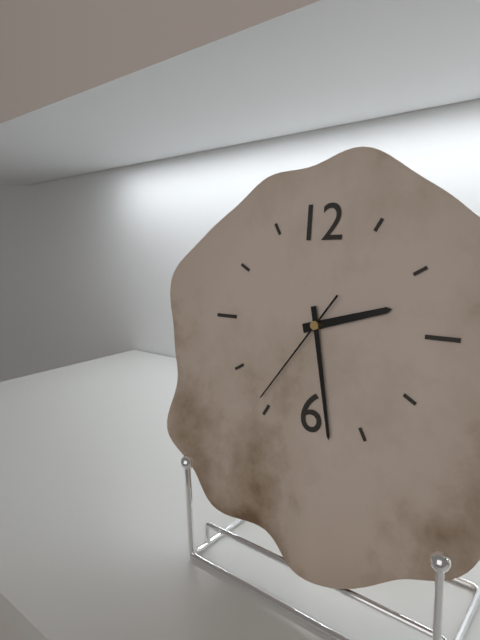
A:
h=2 m=28 s=36
